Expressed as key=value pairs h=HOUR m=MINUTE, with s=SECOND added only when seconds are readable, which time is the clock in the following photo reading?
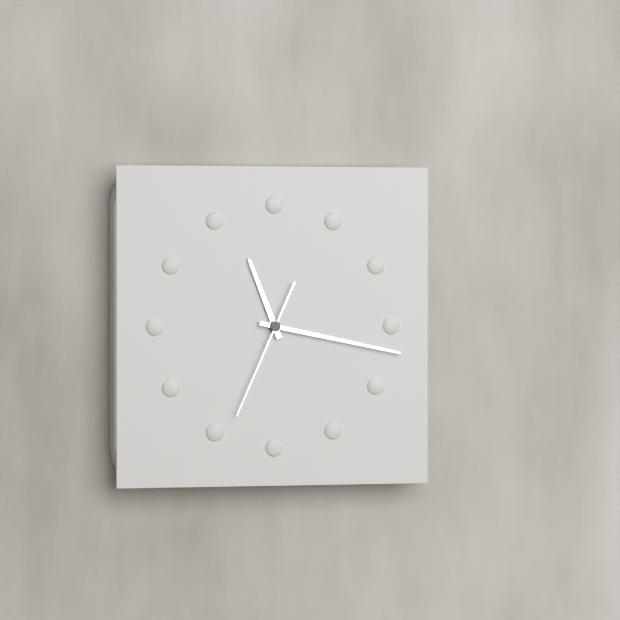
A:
h=11 m=17 s=34
